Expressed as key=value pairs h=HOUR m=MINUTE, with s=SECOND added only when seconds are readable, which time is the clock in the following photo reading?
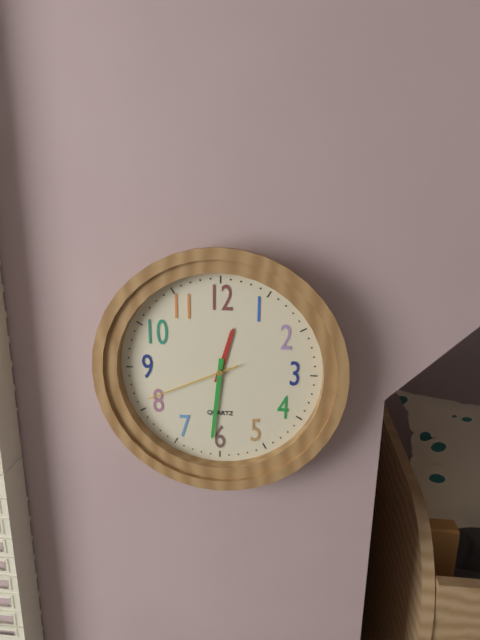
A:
h=12 m=31 s=41
